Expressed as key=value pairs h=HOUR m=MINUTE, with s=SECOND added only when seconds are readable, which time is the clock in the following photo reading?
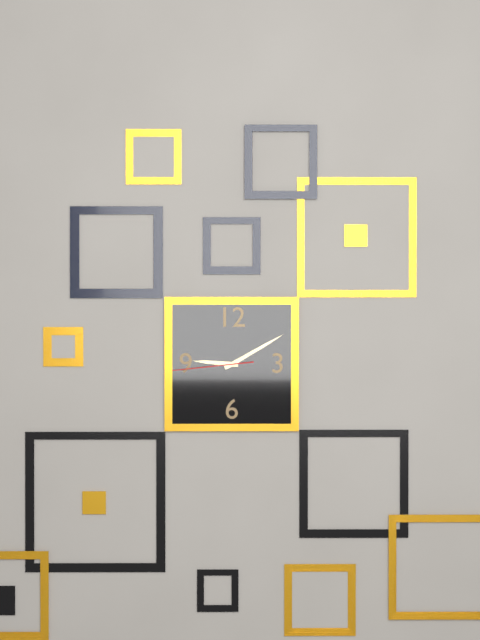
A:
h=9 m=10 s=44
